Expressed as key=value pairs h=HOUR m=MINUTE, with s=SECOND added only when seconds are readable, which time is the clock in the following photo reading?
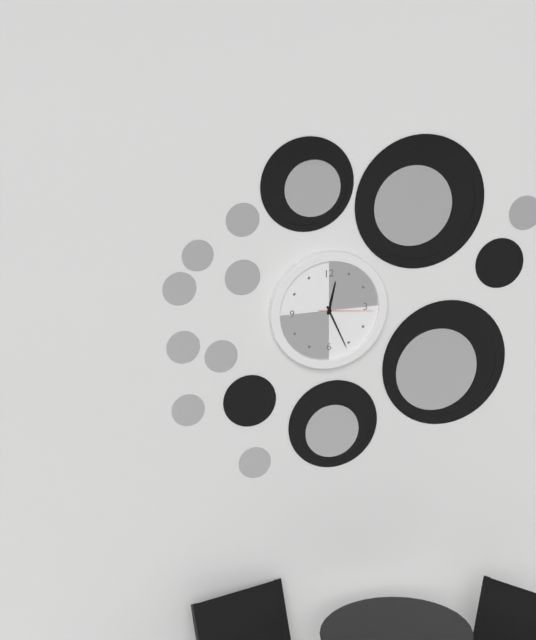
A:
h=12 m=26 s=16
